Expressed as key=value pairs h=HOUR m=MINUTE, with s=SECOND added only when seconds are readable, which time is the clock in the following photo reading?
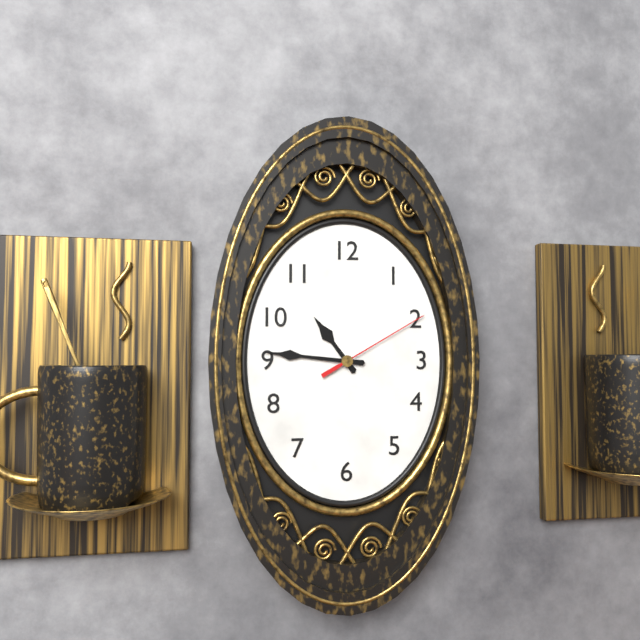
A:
h=10 m=46 s=10
